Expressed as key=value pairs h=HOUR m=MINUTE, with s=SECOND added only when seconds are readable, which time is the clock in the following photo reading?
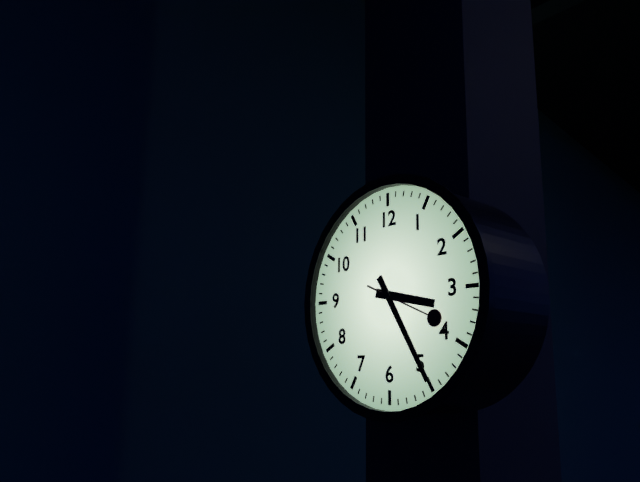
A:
h=3 m=25 s=19
